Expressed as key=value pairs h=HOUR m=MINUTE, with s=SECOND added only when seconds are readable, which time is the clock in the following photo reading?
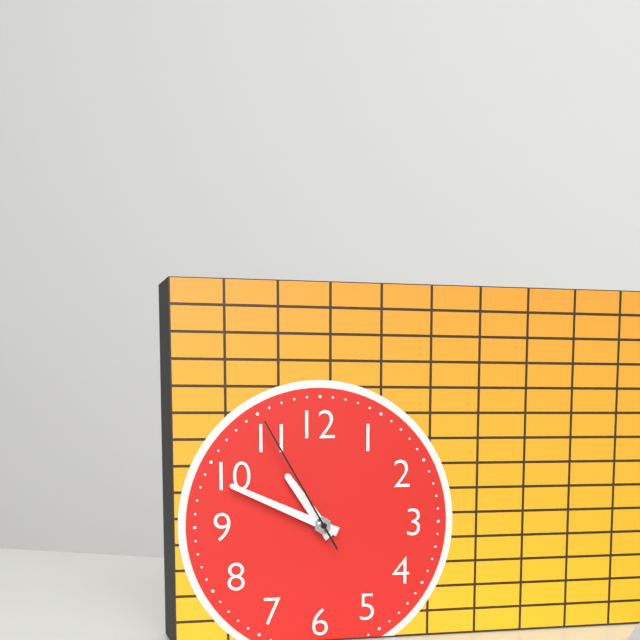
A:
h=10 m=49 s=55
